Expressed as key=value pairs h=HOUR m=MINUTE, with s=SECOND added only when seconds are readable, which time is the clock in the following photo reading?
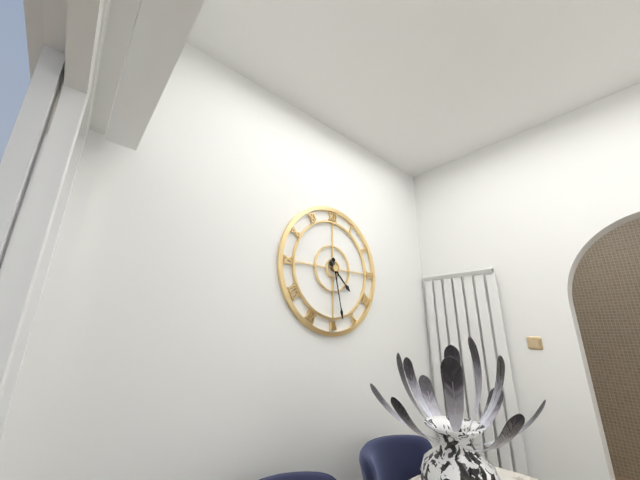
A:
h=4 m=28
